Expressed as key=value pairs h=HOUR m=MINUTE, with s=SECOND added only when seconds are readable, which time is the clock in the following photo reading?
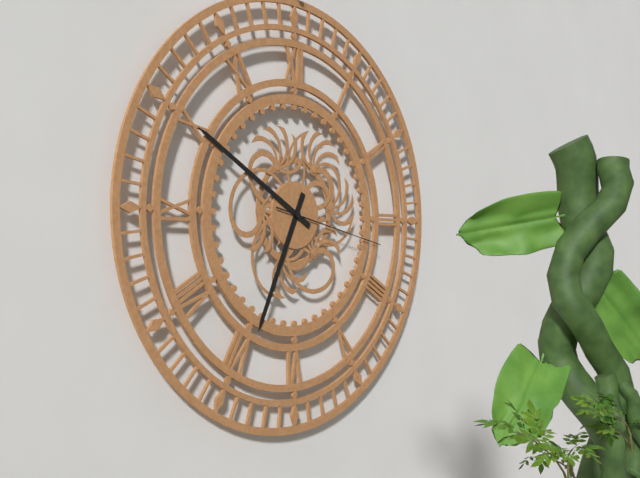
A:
h=6 m=50 s=17
